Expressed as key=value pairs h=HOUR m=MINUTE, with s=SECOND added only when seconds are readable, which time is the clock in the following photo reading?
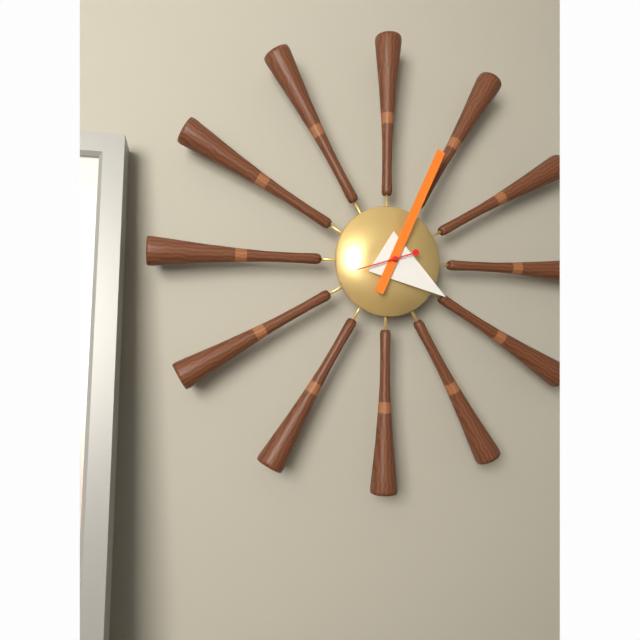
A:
h=4 m=4
